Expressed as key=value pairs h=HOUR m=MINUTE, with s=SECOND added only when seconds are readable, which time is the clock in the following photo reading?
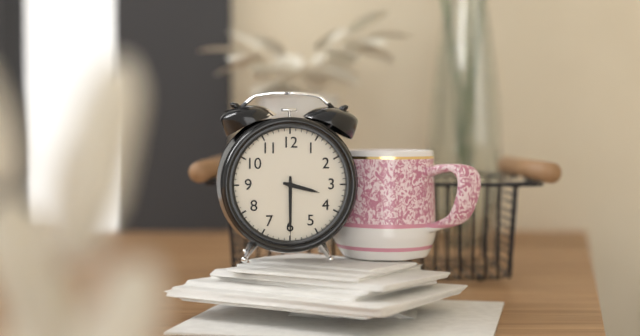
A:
h=3 m=30
